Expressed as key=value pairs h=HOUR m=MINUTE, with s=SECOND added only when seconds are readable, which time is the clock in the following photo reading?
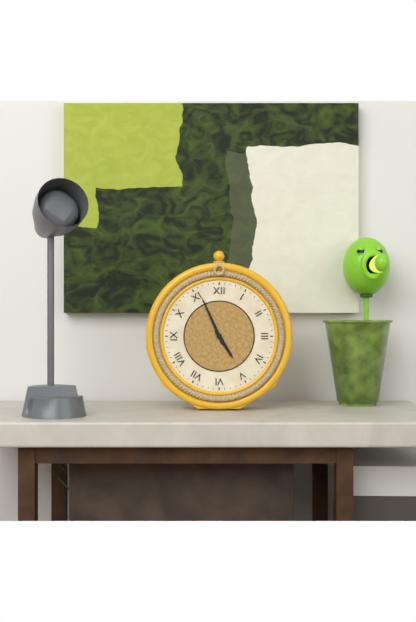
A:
h=4 m=56
